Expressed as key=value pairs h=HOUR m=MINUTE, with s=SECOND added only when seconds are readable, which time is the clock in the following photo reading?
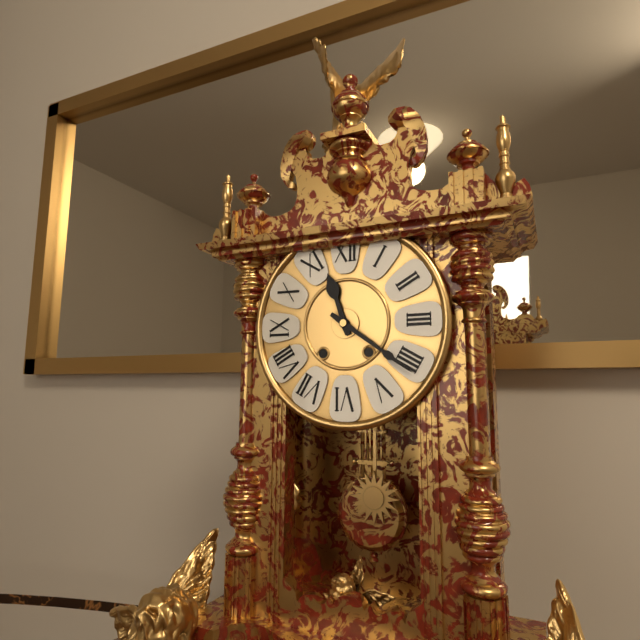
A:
h=11 m=21
